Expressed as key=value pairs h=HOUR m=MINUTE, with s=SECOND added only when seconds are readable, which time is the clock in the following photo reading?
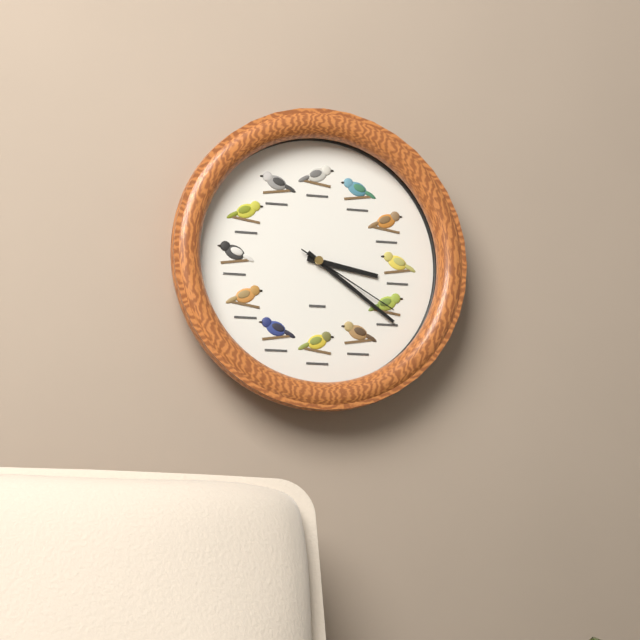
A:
h=3 m=21 s=20
